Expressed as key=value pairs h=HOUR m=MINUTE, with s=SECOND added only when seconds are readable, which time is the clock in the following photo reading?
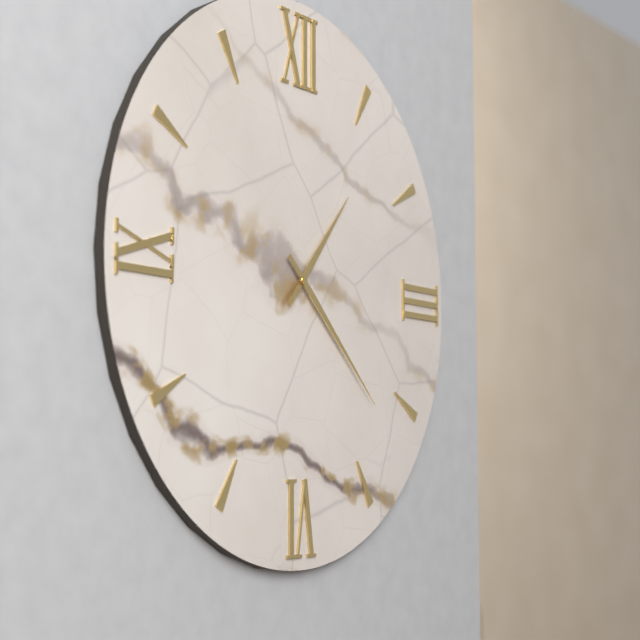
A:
h=1 m=22
